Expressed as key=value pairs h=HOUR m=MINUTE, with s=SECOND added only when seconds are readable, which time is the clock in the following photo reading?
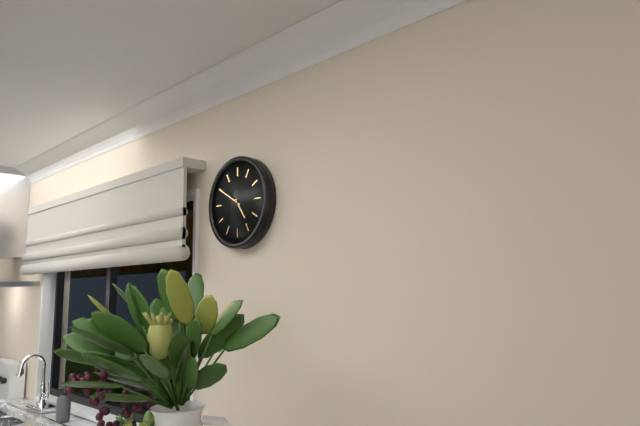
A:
h=4 m=50
